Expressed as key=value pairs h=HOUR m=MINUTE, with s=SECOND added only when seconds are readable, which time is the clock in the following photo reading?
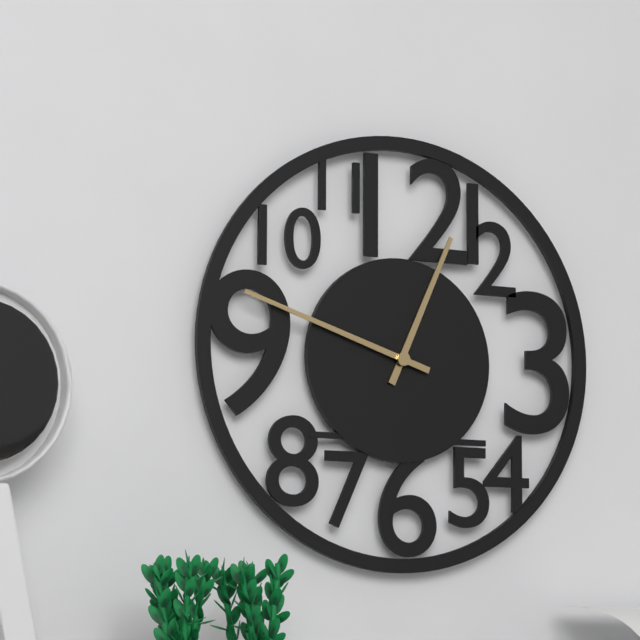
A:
h=12 m=48
